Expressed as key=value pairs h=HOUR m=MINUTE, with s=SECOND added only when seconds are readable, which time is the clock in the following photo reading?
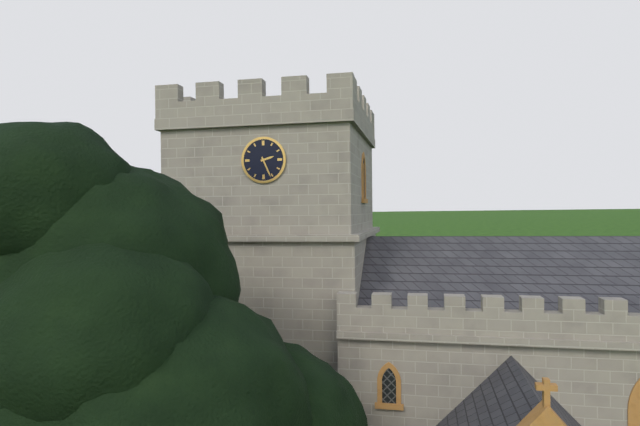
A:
h=2 m=26
